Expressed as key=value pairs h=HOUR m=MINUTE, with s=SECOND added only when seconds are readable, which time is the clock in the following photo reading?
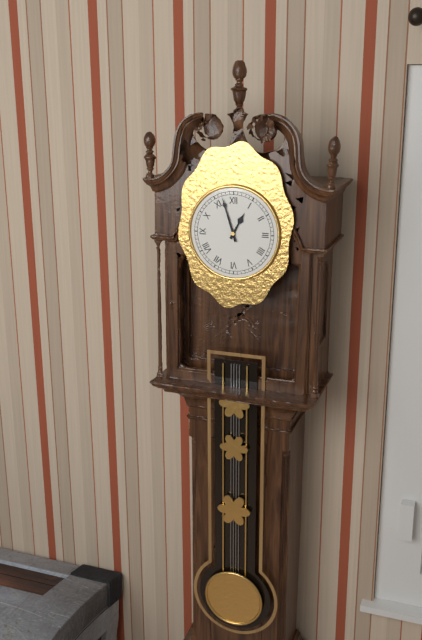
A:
h=12 m=57
